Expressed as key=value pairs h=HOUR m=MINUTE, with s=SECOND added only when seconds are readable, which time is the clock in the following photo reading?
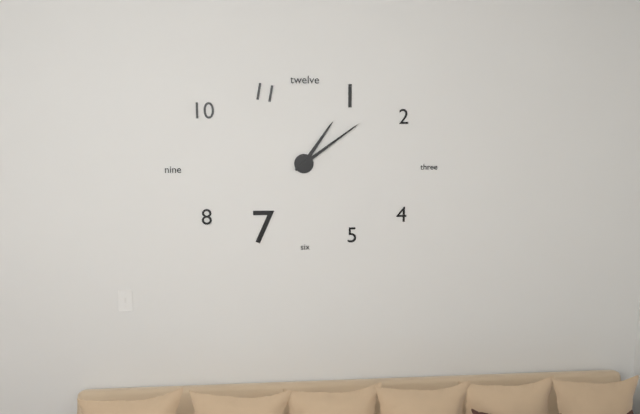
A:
h=1 m=9
